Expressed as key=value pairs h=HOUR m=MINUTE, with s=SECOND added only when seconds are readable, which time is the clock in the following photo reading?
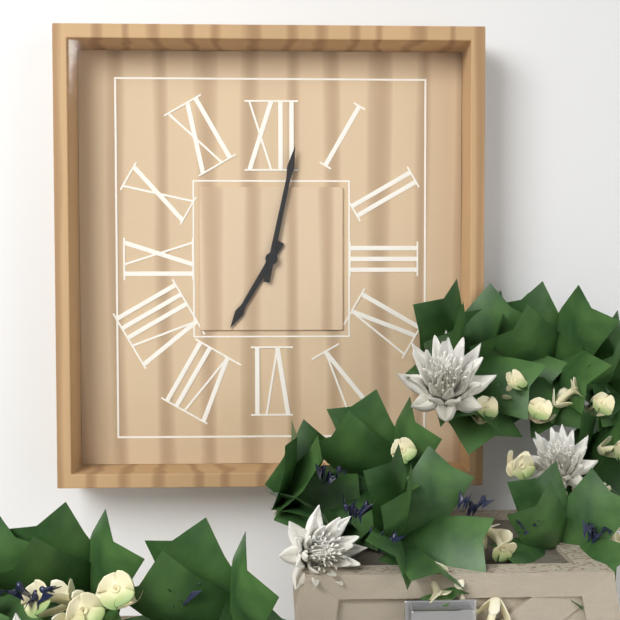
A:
h=7 m=2
